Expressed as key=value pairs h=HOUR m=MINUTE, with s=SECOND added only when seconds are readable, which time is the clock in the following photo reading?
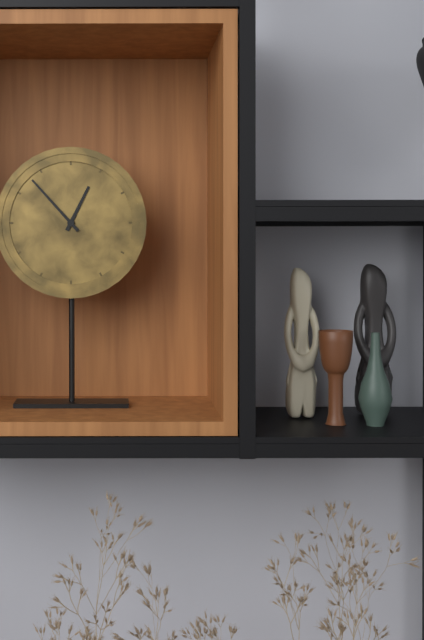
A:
h=12 m=53
